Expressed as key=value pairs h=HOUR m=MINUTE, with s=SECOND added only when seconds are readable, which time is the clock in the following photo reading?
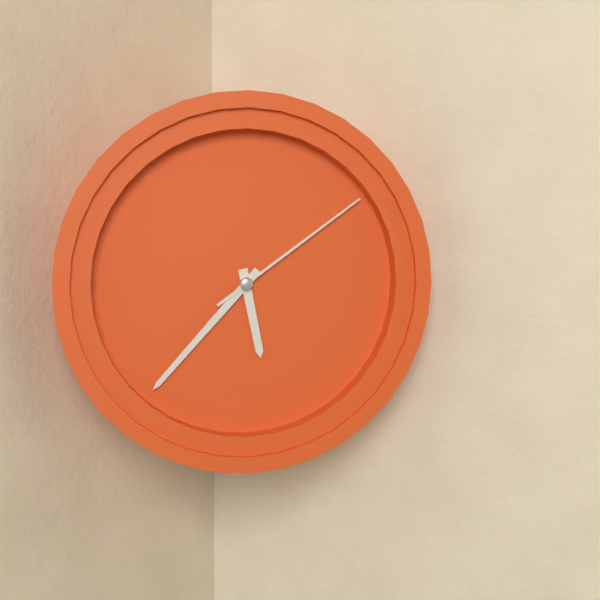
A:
h=5 m=37 s=9
